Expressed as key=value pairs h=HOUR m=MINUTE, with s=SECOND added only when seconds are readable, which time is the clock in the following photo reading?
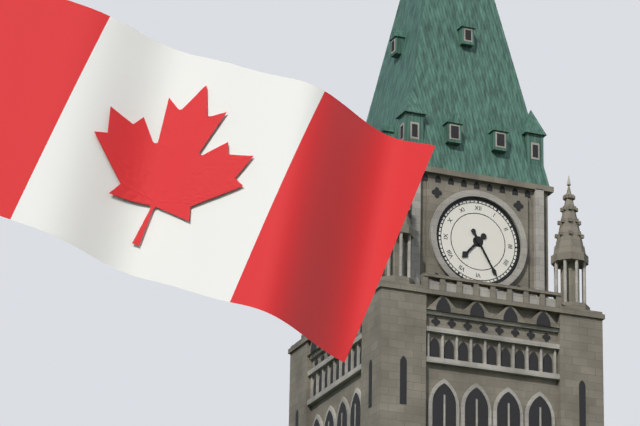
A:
h=7 m=25
